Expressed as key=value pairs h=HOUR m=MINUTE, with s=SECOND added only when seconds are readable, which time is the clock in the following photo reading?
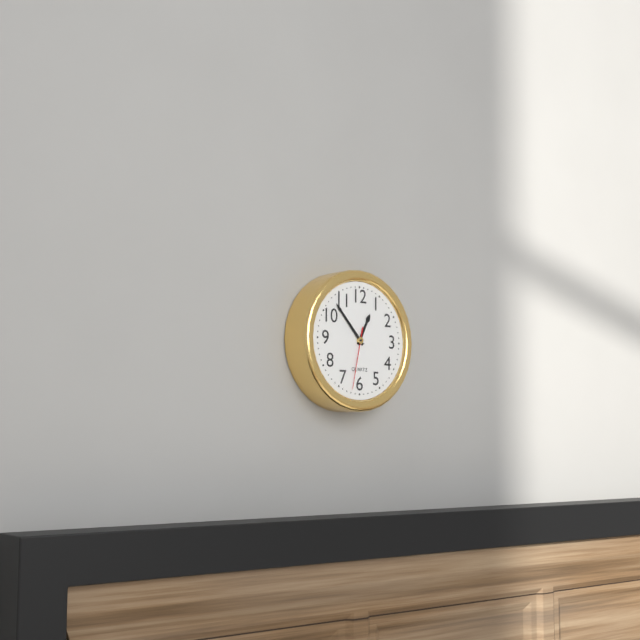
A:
h=12 m=53 s=32
